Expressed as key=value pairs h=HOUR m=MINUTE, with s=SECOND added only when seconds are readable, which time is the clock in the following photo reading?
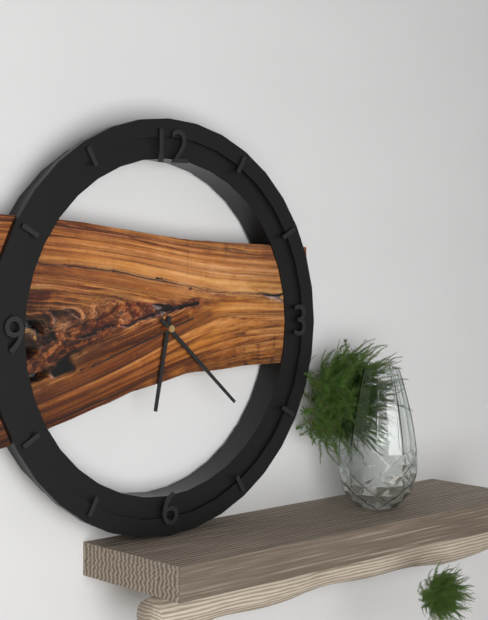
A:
h=6 m=22 s=42
